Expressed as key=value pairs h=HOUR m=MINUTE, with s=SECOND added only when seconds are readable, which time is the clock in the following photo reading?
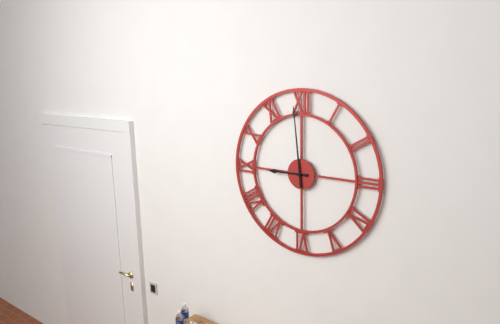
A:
h=8 m=59
